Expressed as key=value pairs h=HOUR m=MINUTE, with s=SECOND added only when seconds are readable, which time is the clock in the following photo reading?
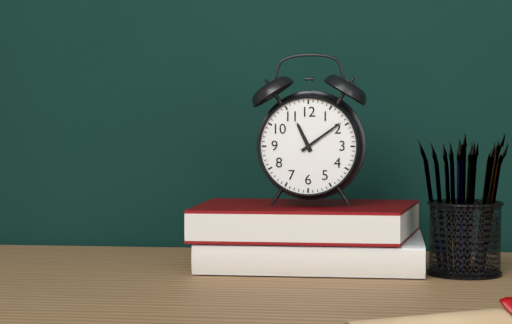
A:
h=11 m=9
